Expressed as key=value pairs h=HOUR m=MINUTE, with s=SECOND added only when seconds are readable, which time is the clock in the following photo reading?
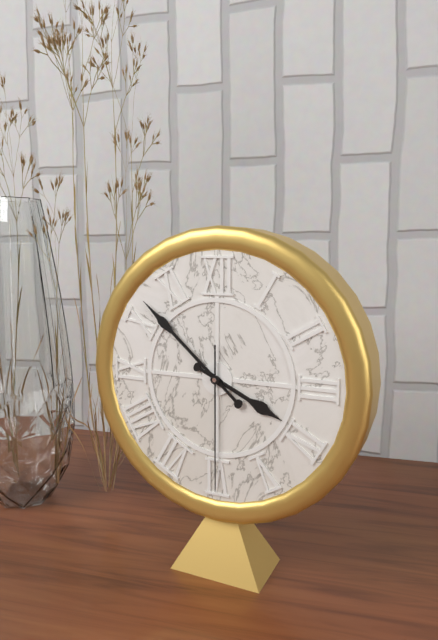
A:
h=3 m=52 s=30
